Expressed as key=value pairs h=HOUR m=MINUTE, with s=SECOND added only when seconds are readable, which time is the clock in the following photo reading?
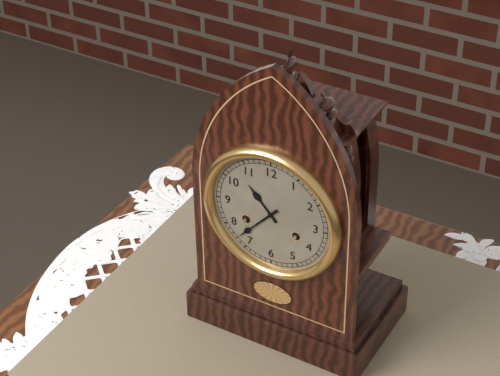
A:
h=10 m=37
